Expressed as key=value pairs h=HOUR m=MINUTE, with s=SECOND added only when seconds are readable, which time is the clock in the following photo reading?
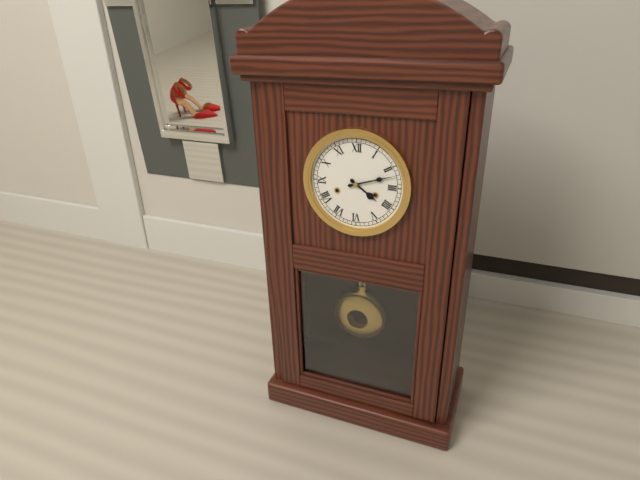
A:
h=4 m=12
